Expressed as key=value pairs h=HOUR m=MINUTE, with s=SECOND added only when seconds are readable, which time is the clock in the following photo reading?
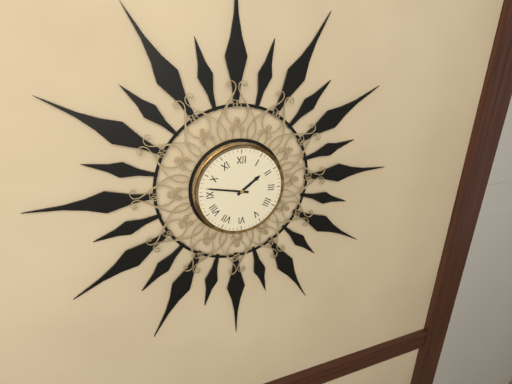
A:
h=1 m=47
